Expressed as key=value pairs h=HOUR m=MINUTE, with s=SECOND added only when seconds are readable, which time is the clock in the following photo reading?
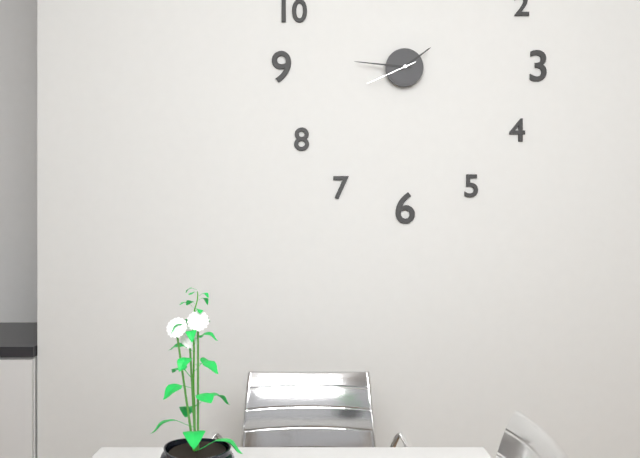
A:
h=1 m=46 s=41
